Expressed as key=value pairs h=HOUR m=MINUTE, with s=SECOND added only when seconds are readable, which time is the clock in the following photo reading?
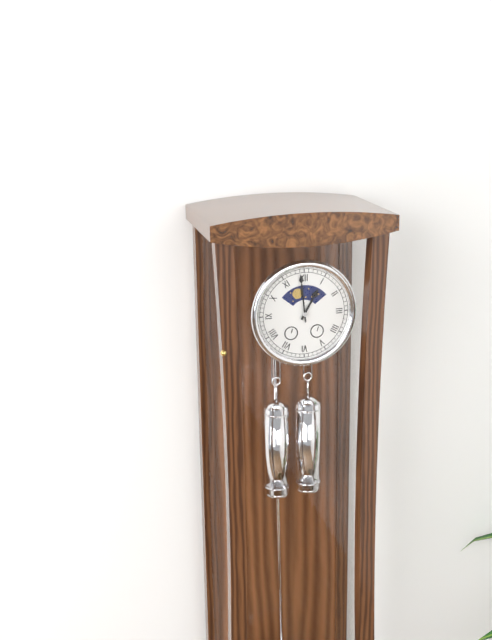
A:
h=12 m=59
